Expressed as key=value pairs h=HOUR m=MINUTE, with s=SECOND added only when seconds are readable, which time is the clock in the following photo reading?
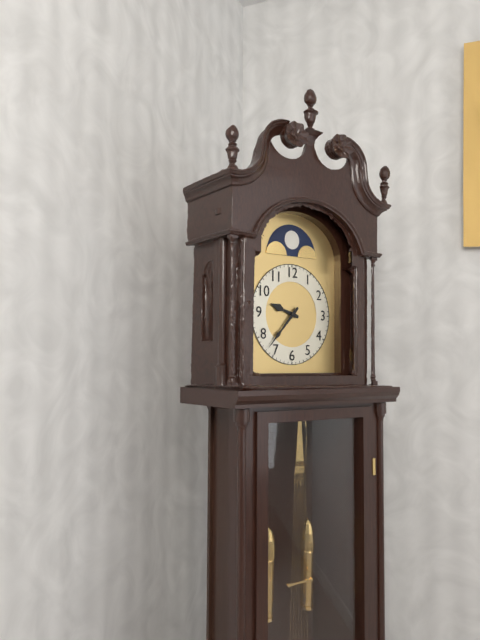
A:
h=9 m=37
